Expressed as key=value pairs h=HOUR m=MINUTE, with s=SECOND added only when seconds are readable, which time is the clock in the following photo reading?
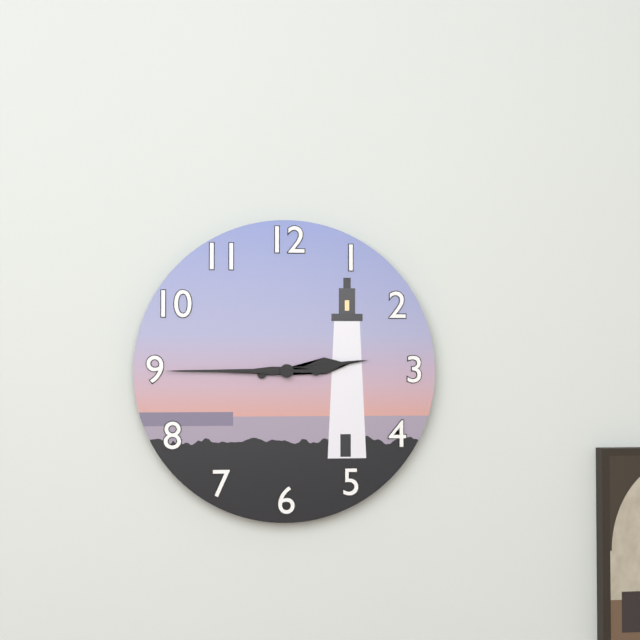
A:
h=2 m=45
